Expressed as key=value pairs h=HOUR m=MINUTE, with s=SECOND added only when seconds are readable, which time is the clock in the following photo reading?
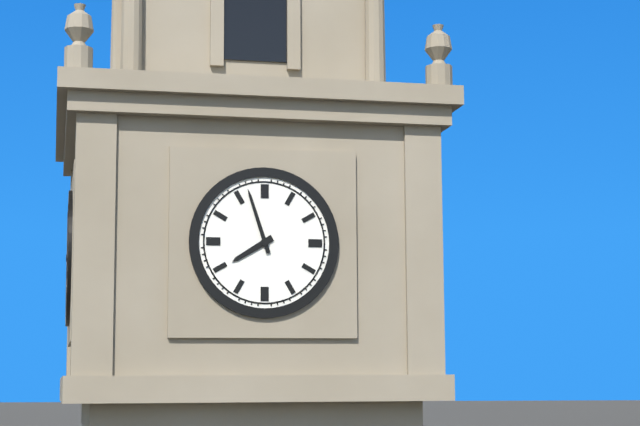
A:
h=7 m=57
